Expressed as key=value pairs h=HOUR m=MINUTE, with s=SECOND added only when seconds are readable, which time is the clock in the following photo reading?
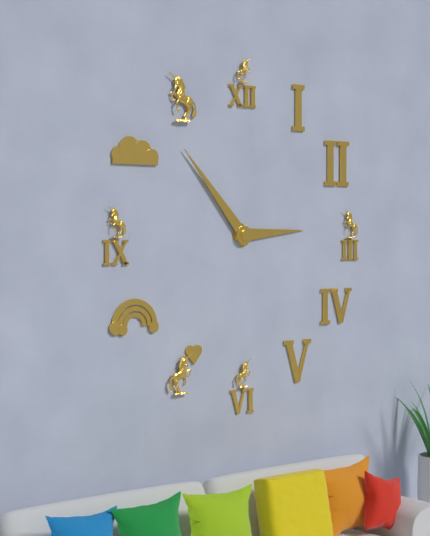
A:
h=2 m=53
